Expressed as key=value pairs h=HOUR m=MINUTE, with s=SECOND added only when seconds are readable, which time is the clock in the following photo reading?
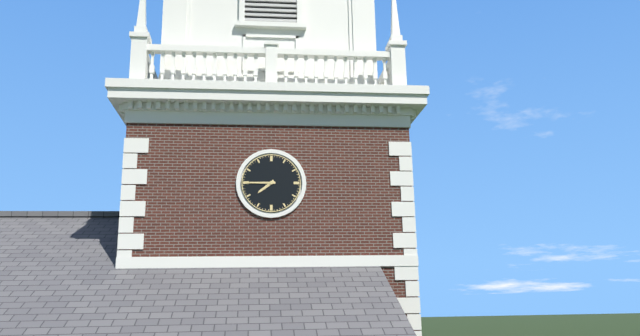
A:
h=7 m=45
